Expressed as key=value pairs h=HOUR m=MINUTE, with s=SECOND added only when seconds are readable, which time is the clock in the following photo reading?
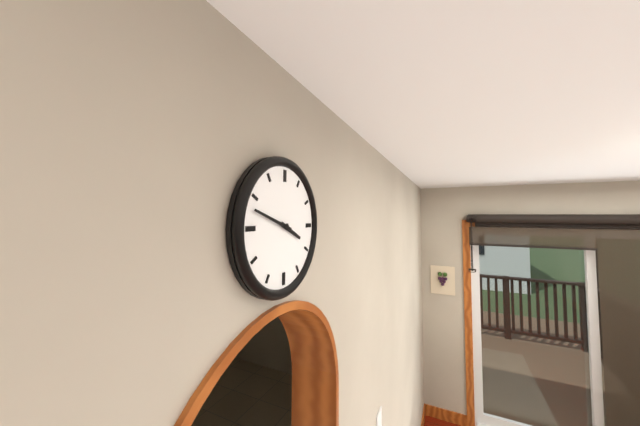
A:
h=3 m=48
